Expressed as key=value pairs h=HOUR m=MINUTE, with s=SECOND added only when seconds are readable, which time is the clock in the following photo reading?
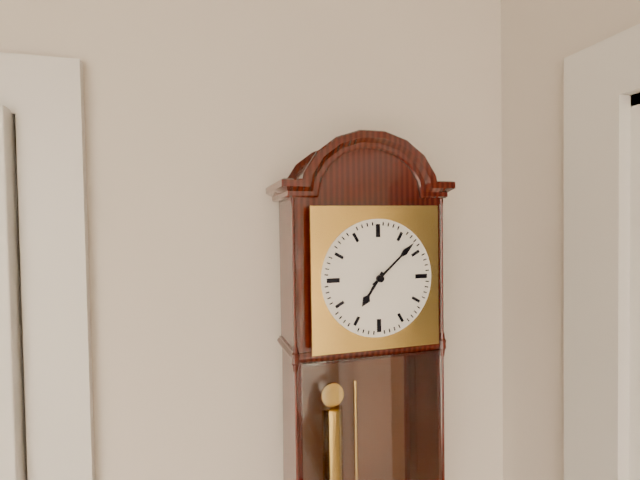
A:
h=7 m=8
